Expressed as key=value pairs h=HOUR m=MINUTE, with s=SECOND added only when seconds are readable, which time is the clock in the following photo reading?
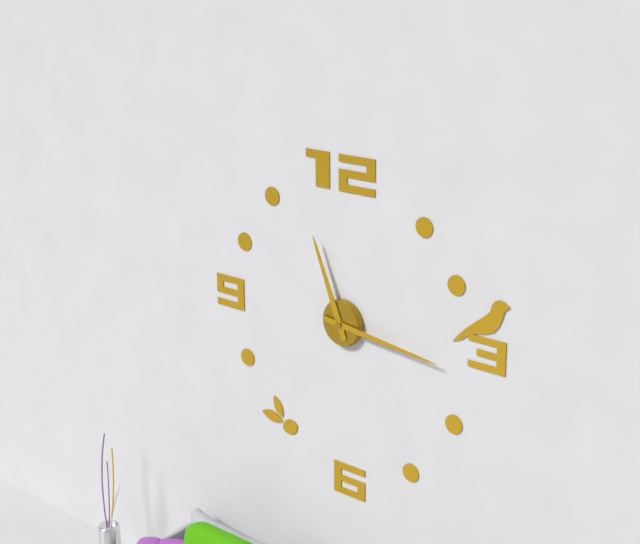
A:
h=11 m=16
